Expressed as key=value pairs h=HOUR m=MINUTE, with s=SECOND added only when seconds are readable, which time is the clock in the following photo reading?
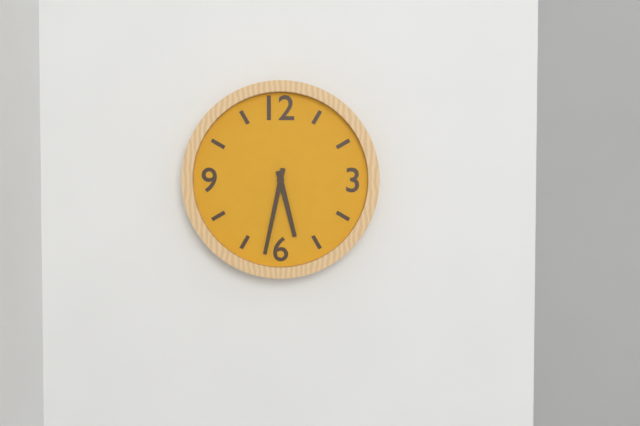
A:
h=5 m=32
